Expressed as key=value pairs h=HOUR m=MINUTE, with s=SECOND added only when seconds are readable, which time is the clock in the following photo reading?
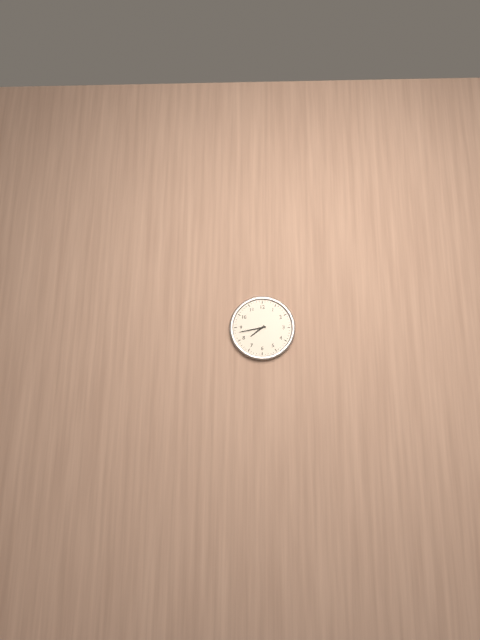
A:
h=7 m=43
